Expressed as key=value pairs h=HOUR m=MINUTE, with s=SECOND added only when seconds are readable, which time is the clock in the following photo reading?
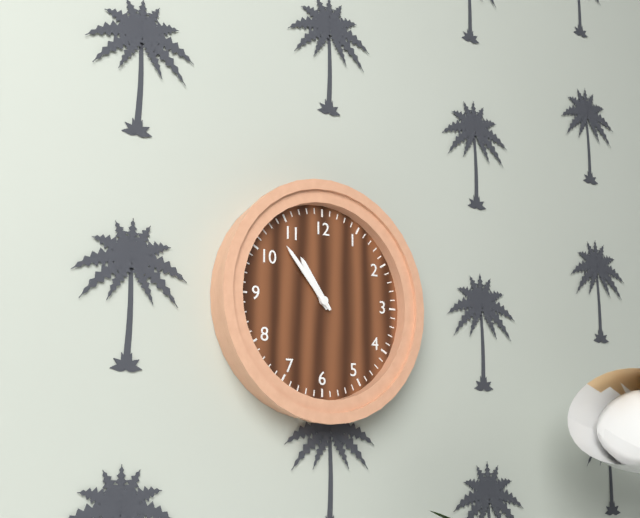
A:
h=10 m=53
